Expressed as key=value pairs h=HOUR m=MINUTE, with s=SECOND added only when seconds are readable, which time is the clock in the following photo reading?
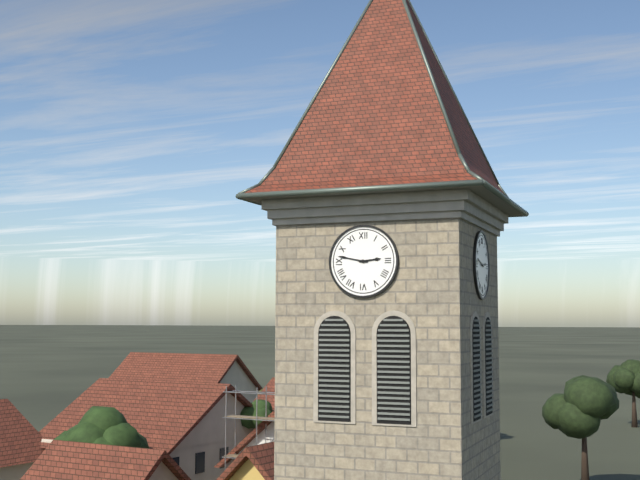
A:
h=2 m=47
